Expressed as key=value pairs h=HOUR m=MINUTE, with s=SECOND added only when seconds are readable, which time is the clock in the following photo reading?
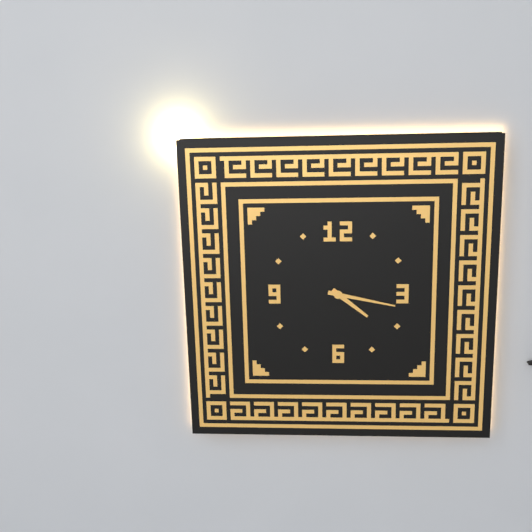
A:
h=4 m=17
